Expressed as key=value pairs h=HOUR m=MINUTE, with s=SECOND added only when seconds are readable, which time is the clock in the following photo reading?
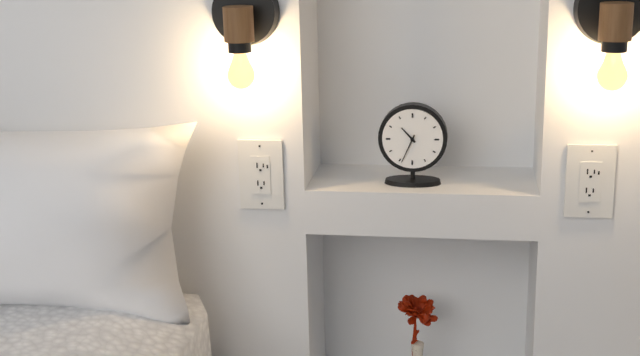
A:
h=10 m=34
